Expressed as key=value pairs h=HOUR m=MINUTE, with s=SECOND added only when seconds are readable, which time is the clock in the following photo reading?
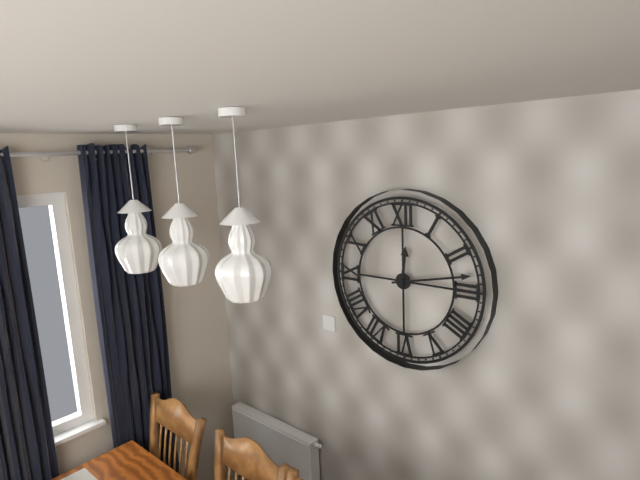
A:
h=12 m=13
